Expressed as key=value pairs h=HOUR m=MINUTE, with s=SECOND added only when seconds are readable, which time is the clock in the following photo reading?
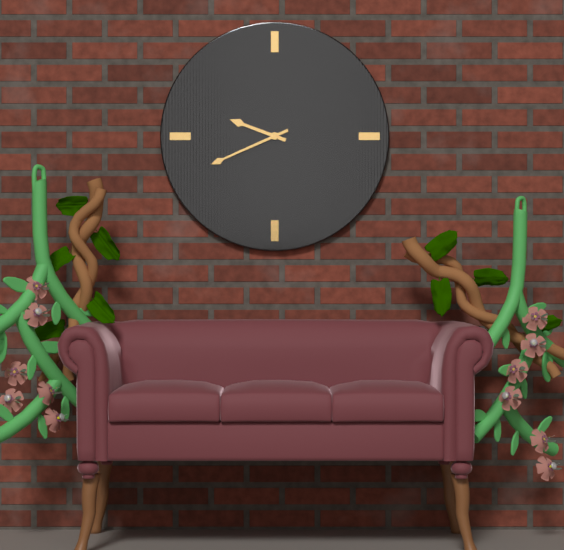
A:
h=9 m=41
